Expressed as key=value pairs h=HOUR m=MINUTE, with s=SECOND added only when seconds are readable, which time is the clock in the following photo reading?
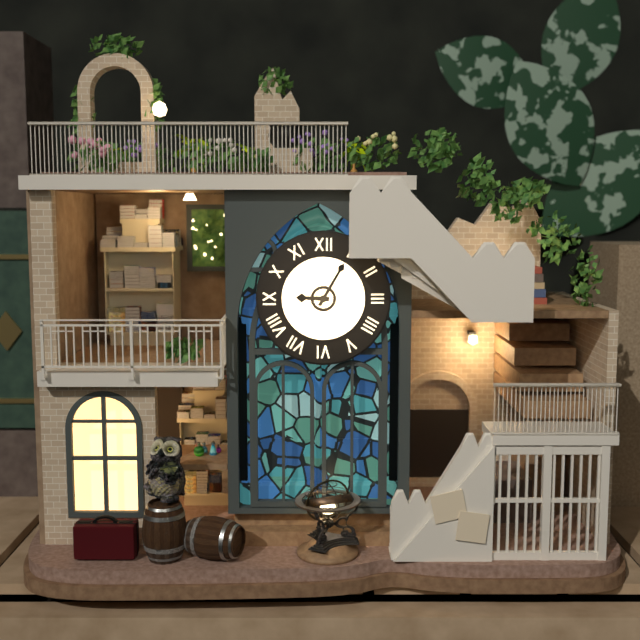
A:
h=9 m=5
